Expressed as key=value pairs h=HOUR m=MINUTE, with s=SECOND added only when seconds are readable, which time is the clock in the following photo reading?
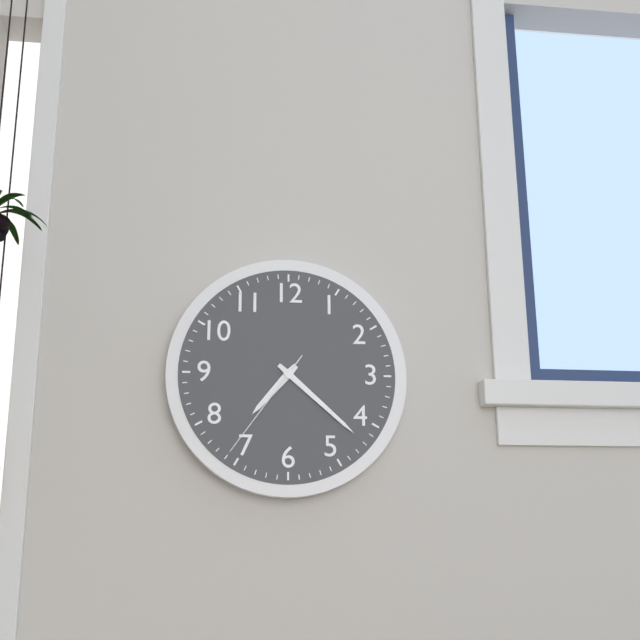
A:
h=7 m=22 s=36
